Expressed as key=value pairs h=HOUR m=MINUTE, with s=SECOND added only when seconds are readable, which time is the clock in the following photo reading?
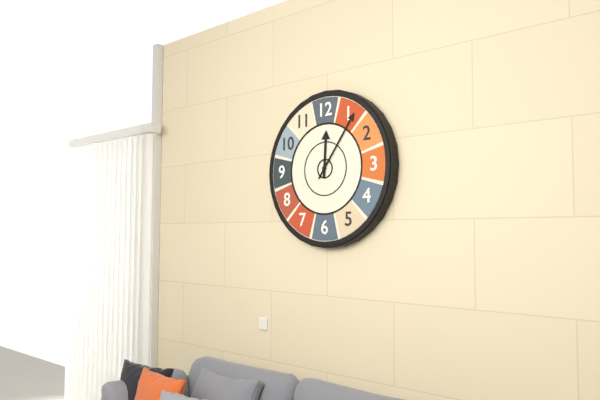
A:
h=12 m=6
